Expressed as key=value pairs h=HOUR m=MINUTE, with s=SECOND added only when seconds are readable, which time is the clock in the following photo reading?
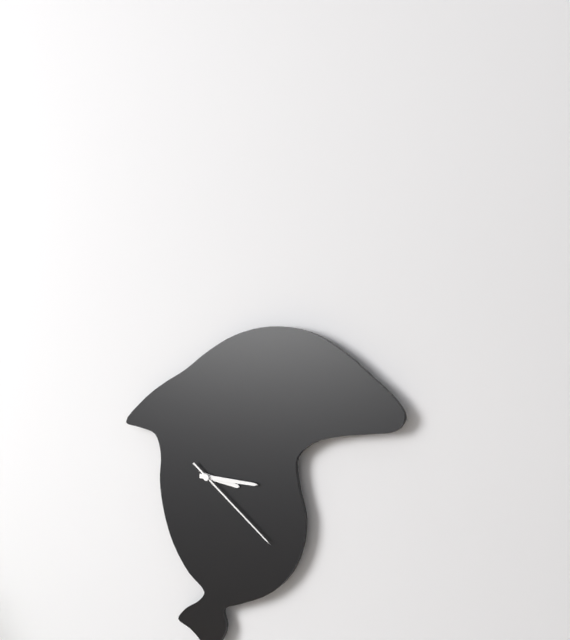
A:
h=3 m=15 s=21
